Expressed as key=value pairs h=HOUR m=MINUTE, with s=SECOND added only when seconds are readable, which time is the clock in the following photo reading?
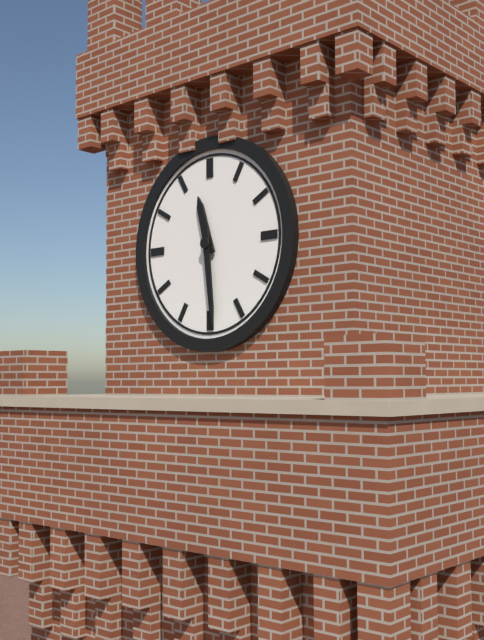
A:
h=11 m=29
